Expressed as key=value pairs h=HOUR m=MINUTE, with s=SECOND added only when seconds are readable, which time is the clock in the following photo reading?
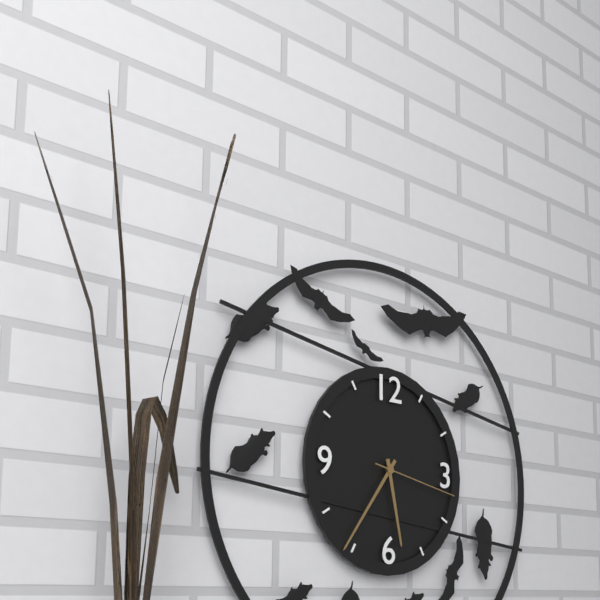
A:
h=5 m=36 s=17
